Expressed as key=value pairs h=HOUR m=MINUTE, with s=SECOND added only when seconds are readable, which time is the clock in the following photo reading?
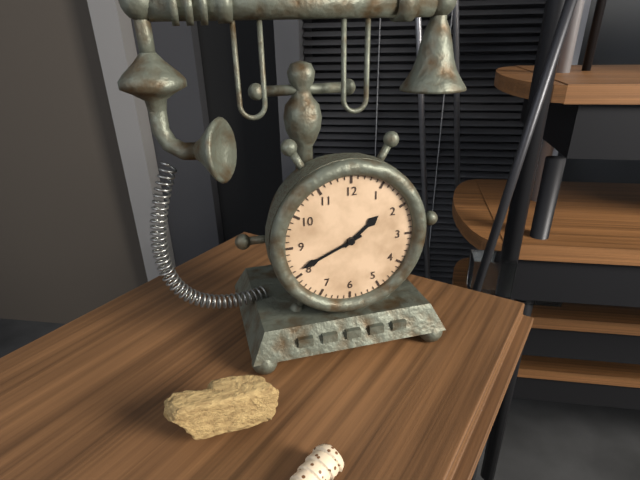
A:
h=1 m=41
